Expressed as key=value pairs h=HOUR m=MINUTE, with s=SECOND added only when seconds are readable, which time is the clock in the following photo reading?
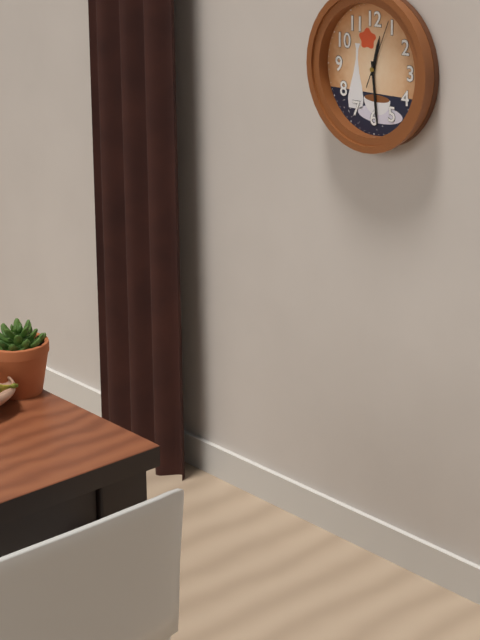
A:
h=12 m=29 s=4
